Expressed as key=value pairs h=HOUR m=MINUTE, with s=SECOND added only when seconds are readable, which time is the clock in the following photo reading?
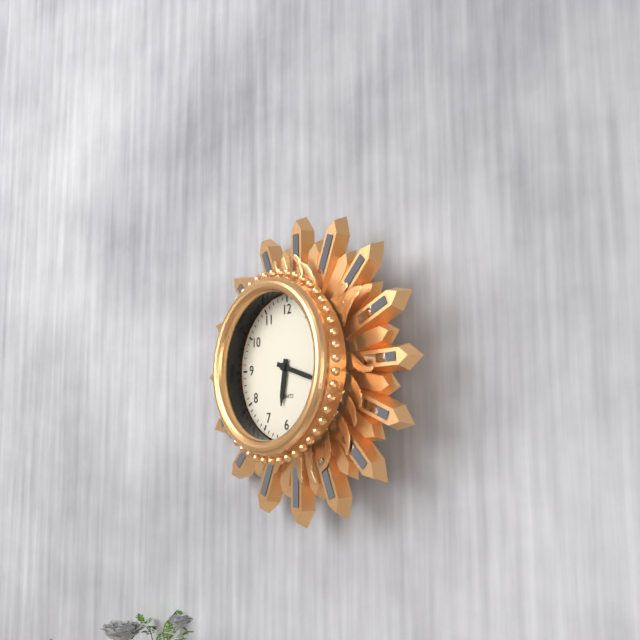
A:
h=6 m=18
